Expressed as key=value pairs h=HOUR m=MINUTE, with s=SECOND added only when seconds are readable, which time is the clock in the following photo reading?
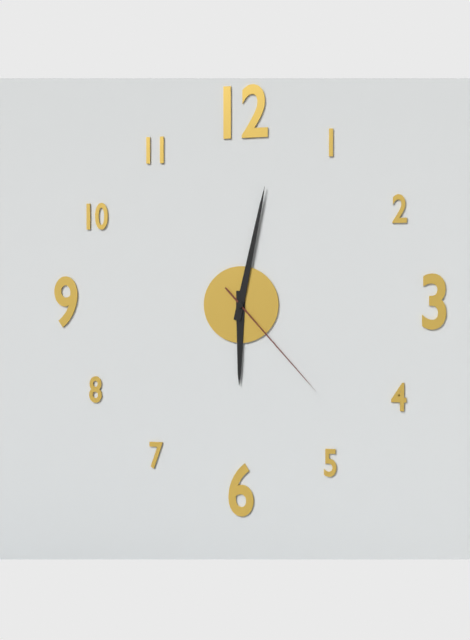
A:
h=6 m=2 s=23
